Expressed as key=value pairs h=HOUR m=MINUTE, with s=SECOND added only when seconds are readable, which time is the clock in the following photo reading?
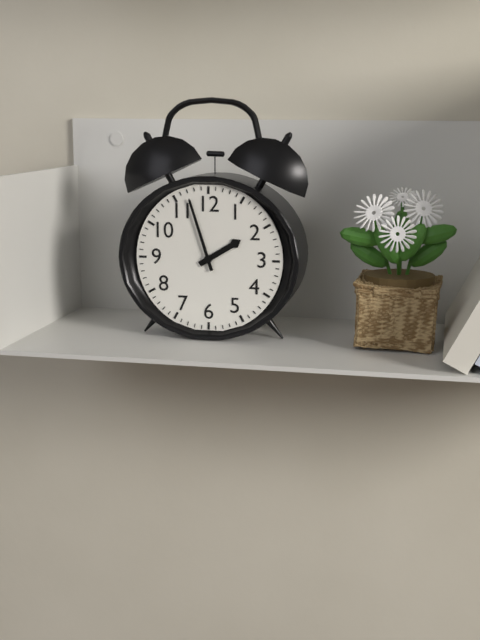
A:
h=1 m=57
